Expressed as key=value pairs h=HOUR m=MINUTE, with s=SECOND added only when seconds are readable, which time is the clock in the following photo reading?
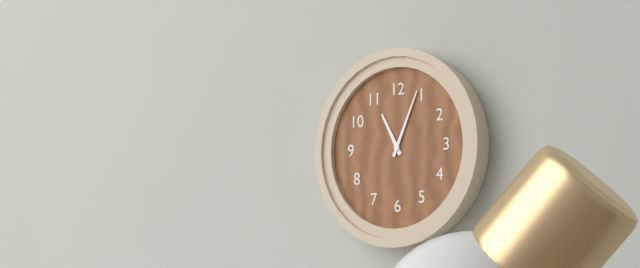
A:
h=11 m=4
